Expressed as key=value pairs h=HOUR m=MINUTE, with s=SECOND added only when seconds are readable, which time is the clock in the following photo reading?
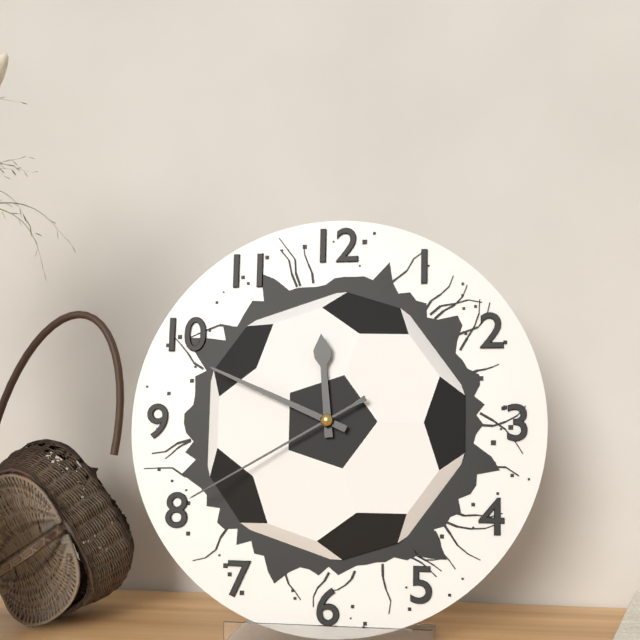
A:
h=11 m=49 s=40
